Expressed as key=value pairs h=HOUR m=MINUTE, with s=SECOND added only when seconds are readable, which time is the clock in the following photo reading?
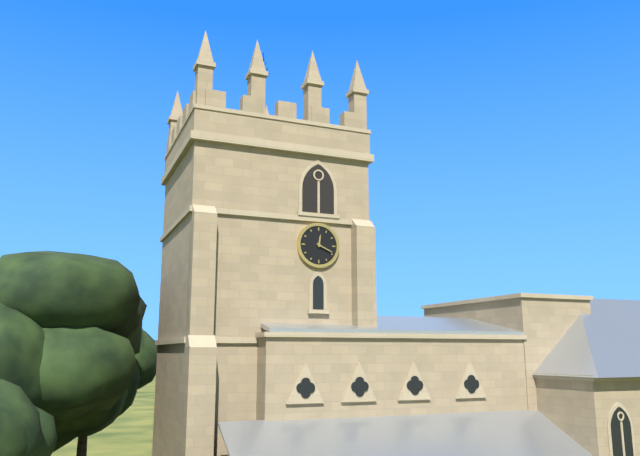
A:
h=12 m=19
